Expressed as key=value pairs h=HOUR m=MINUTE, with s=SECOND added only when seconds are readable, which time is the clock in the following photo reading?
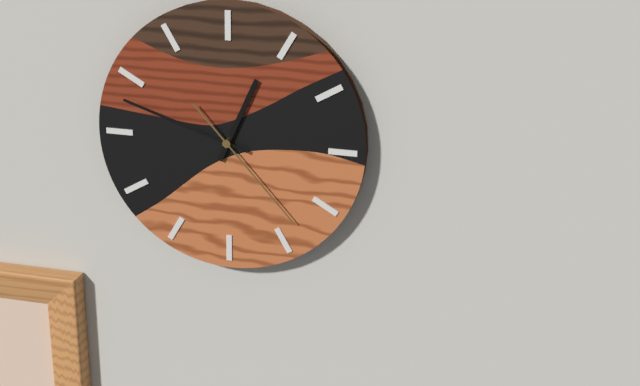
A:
h=12 m=48 s=23
